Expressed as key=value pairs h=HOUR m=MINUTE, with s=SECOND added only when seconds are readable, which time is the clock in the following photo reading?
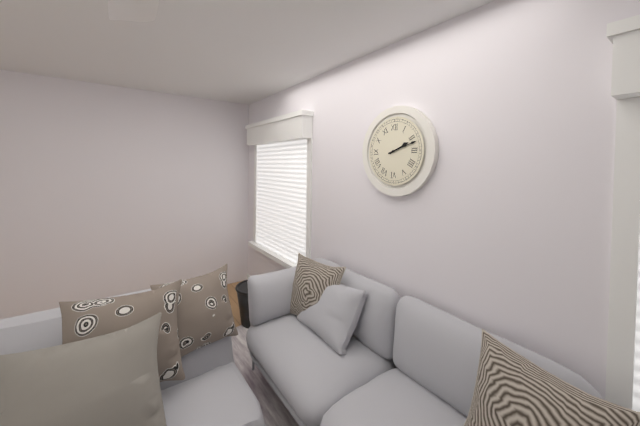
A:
h=2 m=12
